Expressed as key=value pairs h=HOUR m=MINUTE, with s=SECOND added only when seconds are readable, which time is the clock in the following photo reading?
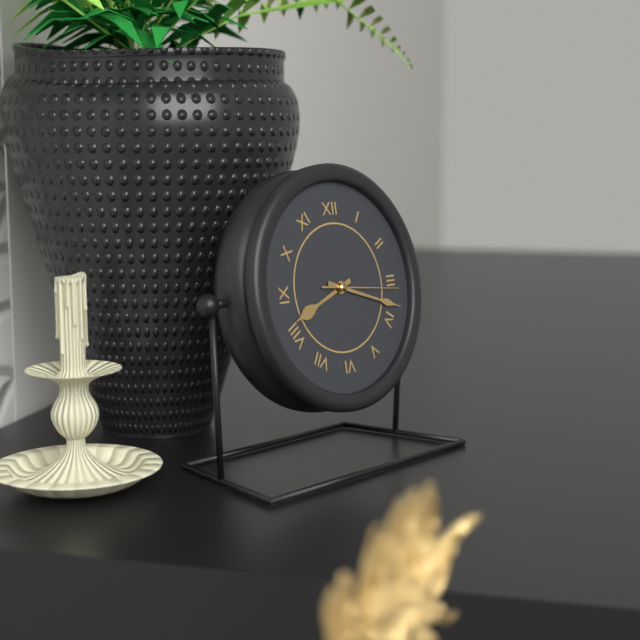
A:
h=8 m=18 s=16
